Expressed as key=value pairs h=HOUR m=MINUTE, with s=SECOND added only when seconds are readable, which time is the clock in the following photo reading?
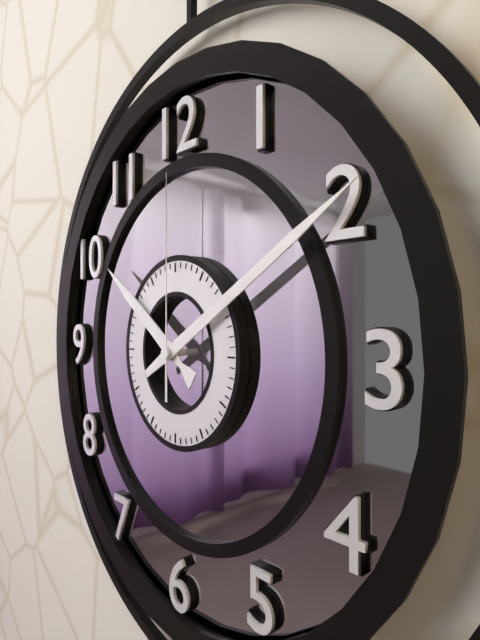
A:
h=10 m=10 s=0
